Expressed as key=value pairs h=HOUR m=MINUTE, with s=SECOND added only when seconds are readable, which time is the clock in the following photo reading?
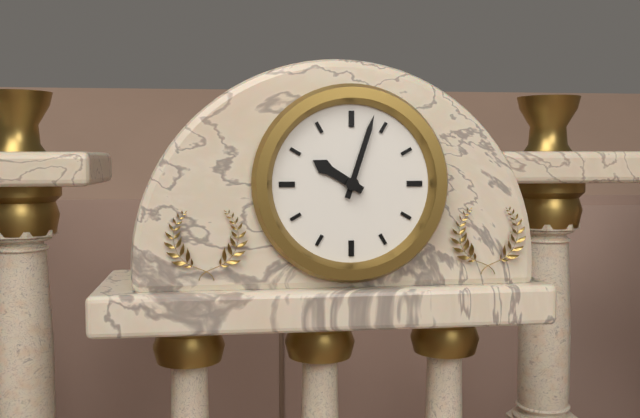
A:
h=10 m=3
